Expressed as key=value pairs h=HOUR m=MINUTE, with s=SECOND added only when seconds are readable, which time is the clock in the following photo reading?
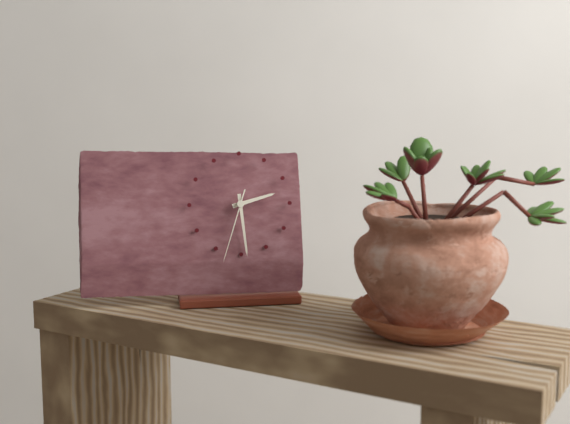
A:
h=2 m=29 s=33
